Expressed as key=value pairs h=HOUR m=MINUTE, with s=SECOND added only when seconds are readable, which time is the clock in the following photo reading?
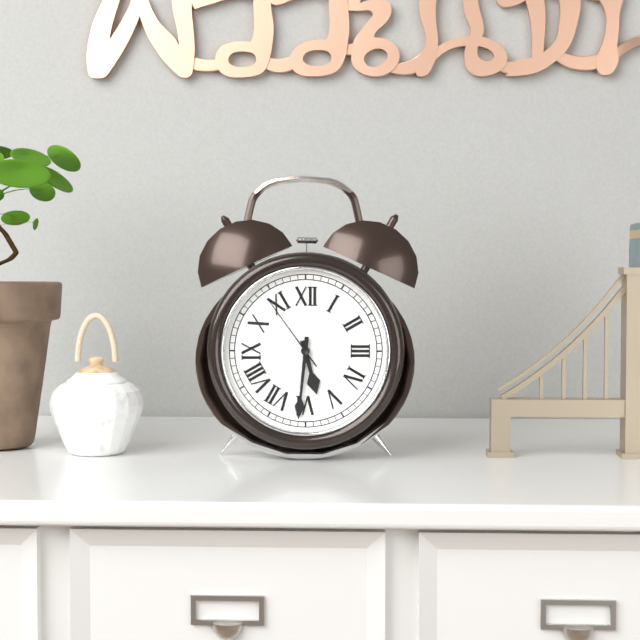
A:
h=5 m=31 s=54
